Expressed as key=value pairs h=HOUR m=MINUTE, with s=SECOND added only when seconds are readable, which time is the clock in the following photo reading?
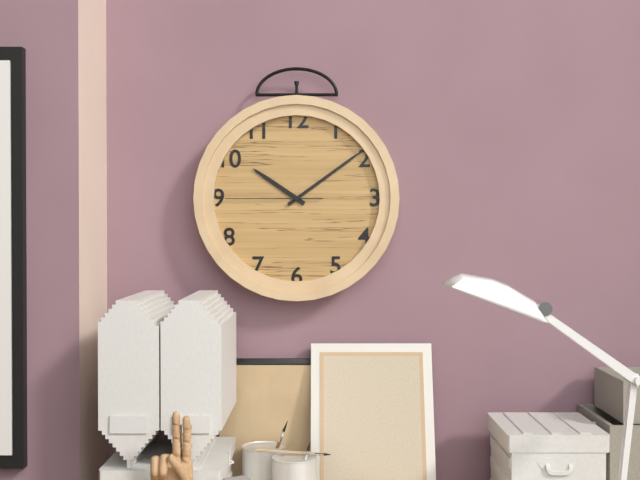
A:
h=10 m=9 s=45
